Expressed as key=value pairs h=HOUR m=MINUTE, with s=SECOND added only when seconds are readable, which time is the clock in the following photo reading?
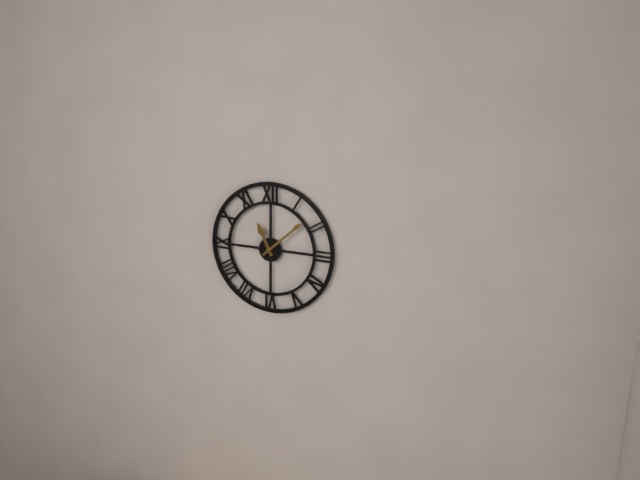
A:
h=11 m=8
